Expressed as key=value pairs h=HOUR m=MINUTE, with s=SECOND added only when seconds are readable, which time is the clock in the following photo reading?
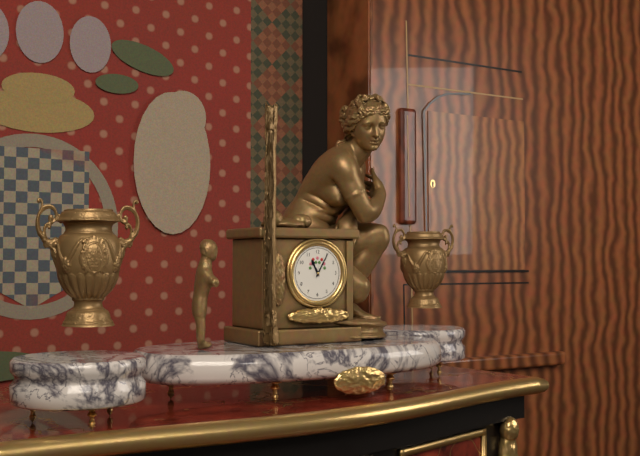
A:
h=11 m=5
